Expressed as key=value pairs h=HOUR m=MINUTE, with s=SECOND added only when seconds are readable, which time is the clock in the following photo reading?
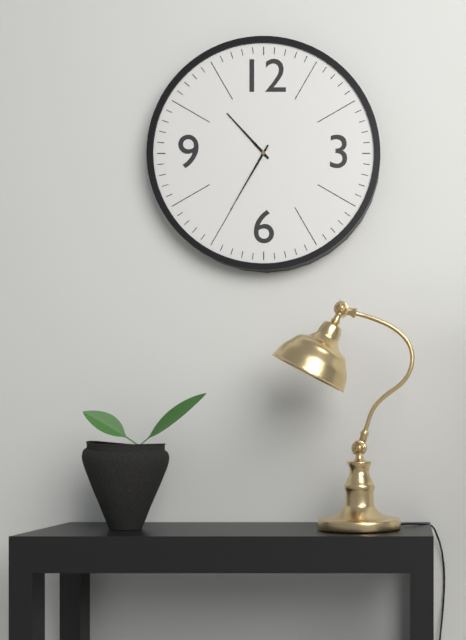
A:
h=10 m=35
